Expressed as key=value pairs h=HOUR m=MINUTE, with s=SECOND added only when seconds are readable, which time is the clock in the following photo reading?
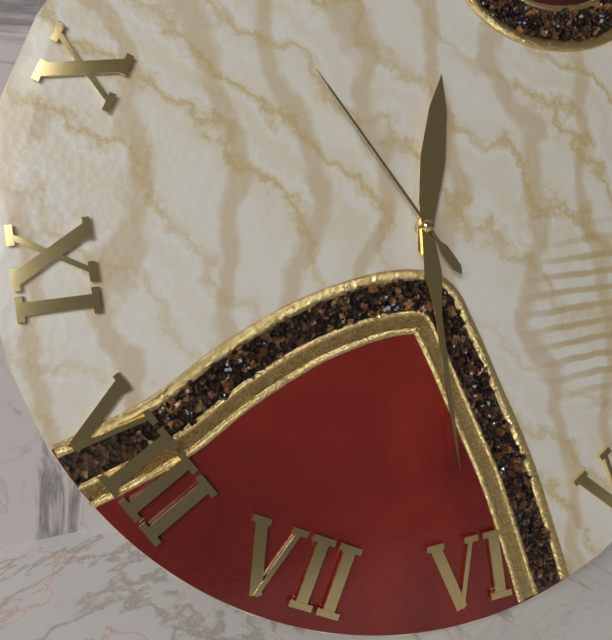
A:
h=12 m=30 s=55
